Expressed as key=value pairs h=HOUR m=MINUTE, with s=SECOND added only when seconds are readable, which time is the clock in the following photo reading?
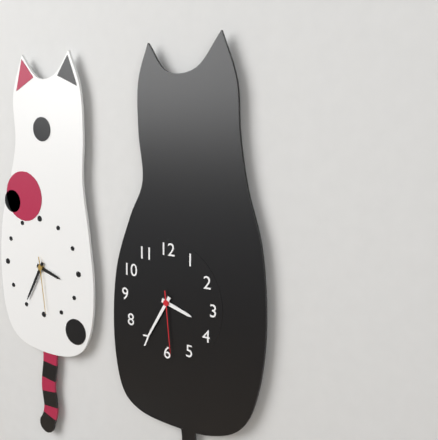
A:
h=3 m=35 s=29
